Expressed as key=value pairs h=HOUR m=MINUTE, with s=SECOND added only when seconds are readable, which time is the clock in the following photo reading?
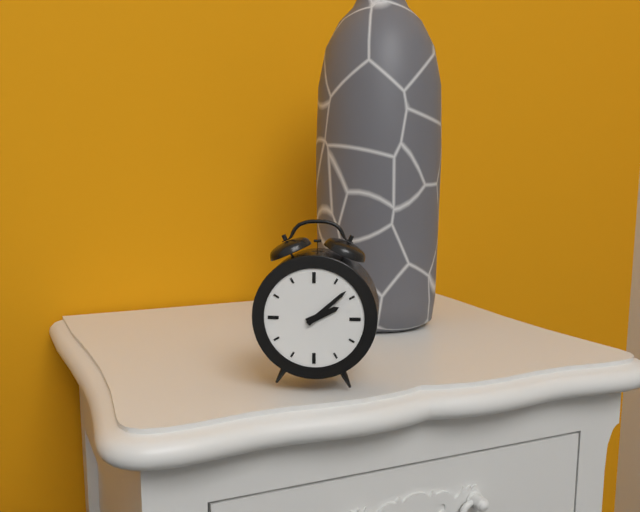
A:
h=2 m=8
